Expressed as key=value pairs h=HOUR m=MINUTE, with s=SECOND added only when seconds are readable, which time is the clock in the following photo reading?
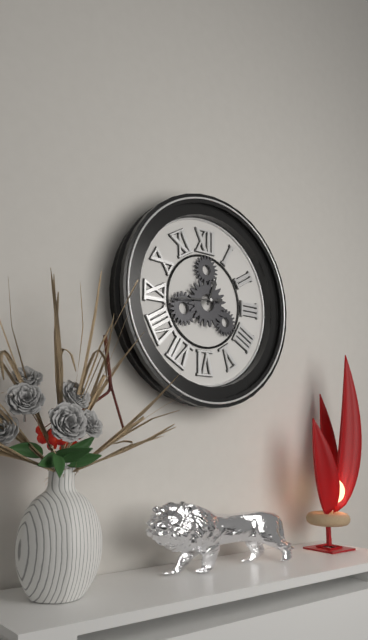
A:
h=12 m=44
